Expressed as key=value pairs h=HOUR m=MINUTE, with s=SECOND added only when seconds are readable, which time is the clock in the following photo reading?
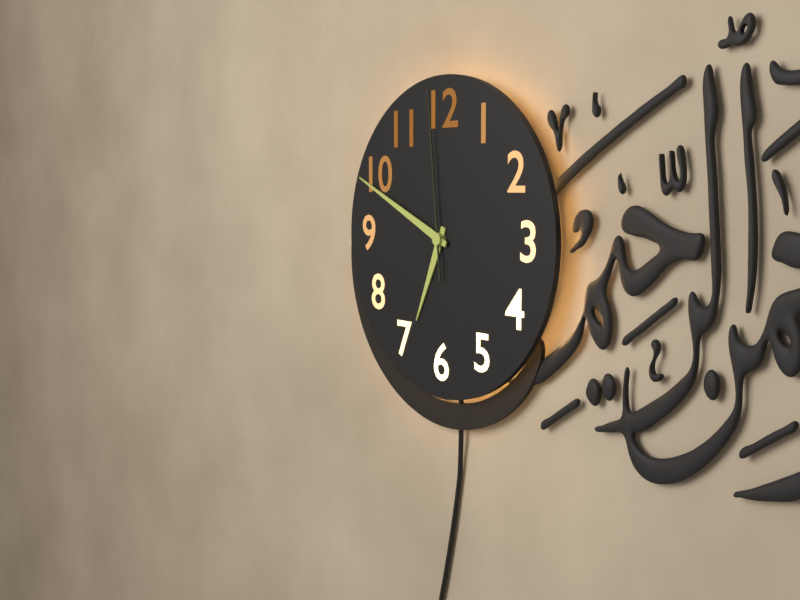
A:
h=6 m=49 s=59
